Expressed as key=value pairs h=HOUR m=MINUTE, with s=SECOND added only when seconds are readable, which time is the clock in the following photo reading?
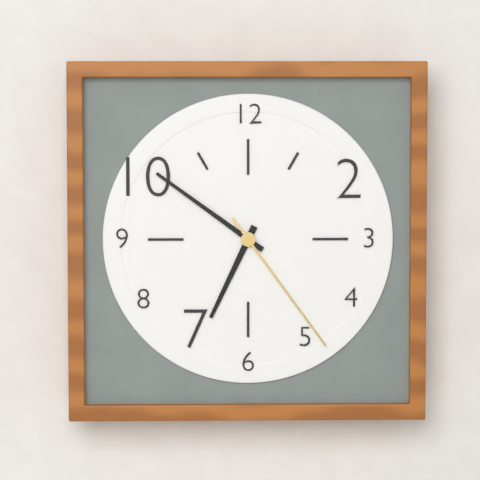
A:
h=6 m=51 s=24
